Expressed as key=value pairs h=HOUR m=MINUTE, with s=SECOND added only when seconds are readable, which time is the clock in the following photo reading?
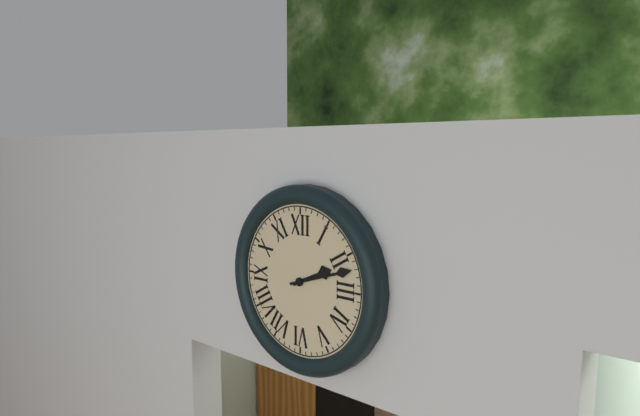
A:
h=2 m=12
